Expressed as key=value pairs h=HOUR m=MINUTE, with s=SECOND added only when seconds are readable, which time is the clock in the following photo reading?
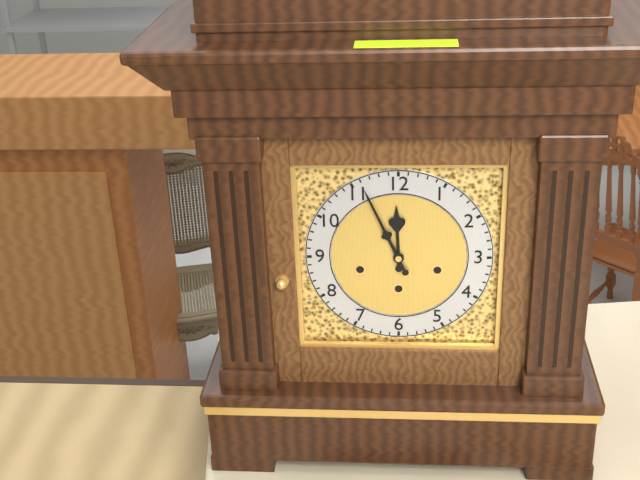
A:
h=11 m=56
